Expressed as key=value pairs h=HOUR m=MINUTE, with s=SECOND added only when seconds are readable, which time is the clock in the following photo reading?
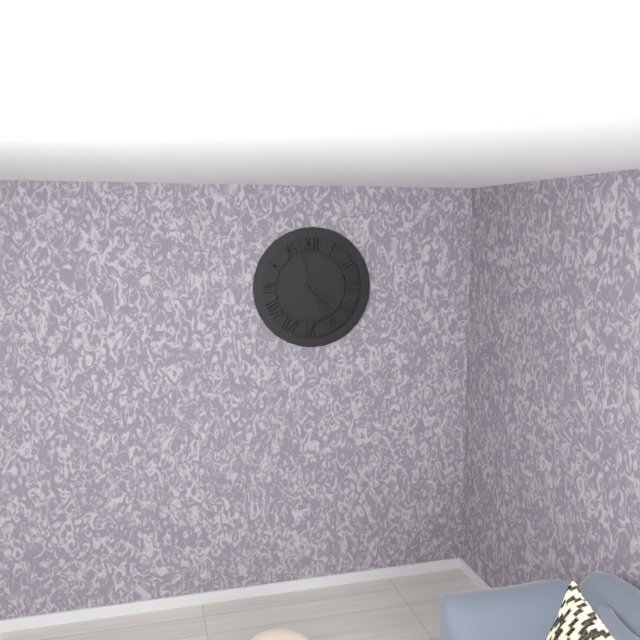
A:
h=4 m=24 s=57
